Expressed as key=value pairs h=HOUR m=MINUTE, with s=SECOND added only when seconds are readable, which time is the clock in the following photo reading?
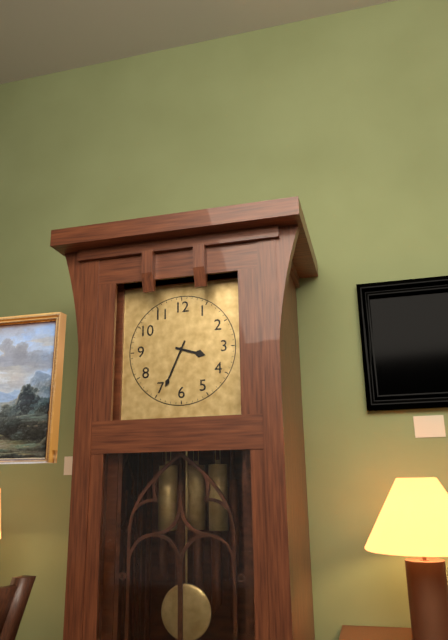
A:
h=3 m=34
